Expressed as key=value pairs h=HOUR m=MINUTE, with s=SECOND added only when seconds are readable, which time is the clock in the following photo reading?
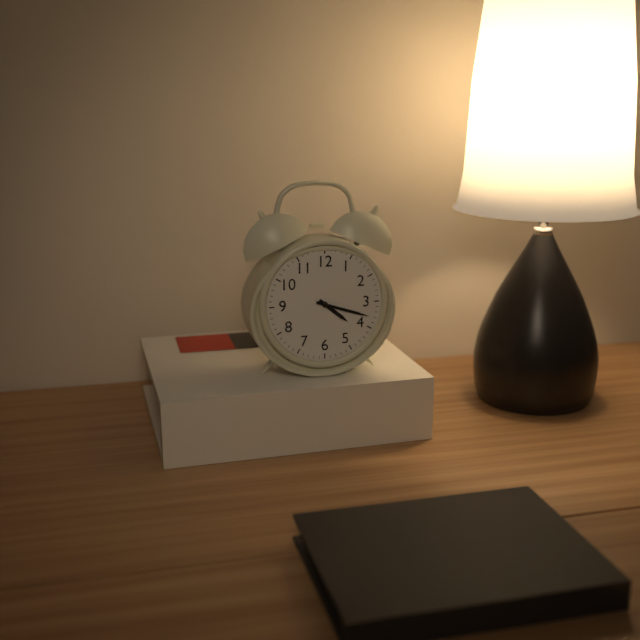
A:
h=4 m=18
